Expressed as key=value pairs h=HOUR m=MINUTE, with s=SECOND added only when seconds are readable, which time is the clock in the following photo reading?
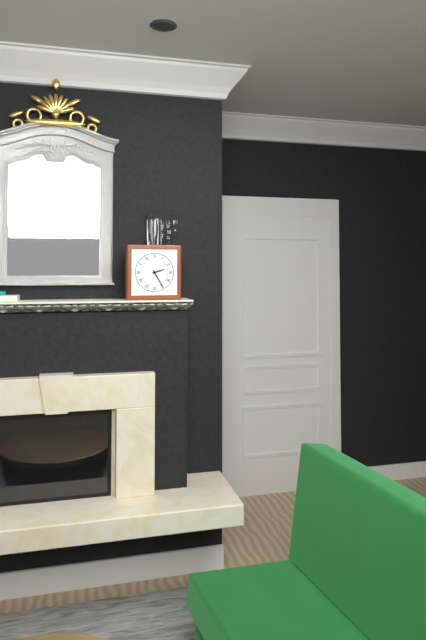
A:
h=2 m=25
